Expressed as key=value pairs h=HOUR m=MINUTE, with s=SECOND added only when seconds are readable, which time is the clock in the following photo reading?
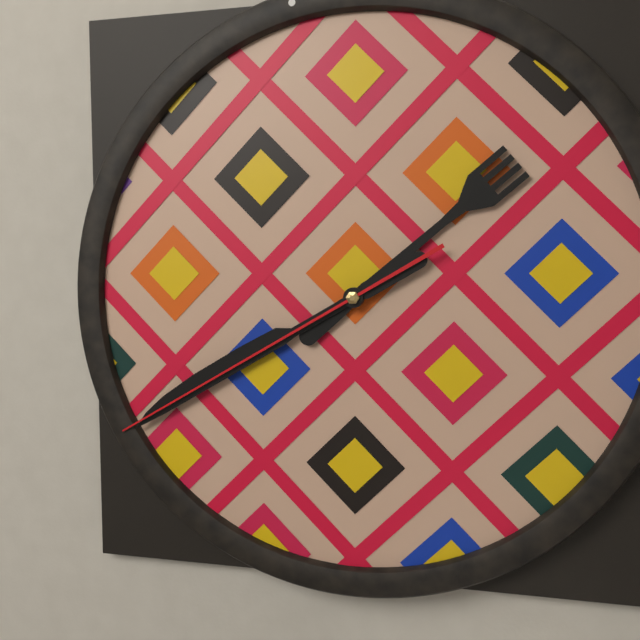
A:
h=1 m=40 s=40
